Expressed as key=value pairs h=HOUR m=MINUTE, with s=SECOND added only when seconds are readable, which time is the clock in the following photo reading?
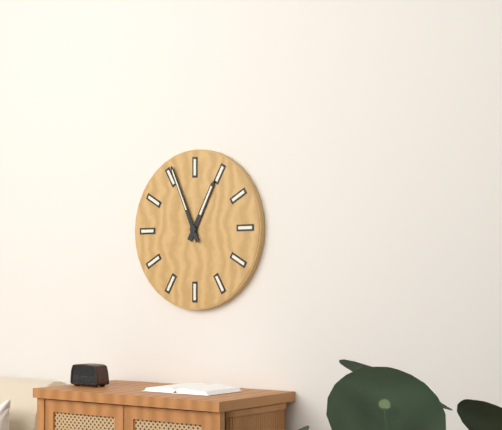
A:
h=12 m=56
